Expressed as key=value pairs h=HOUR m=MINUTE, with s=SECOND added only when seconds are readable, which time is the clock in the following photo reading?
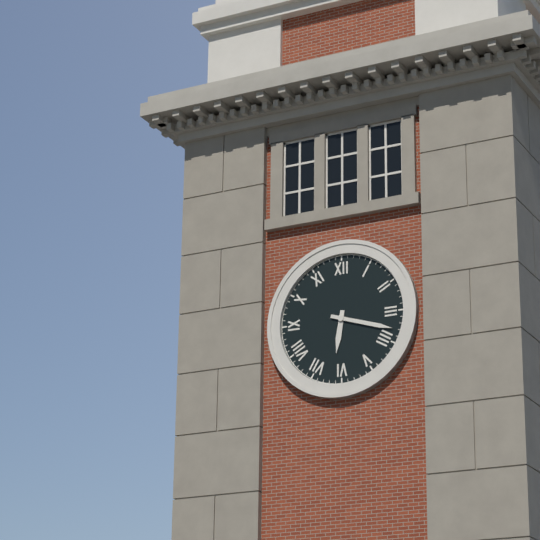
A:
h=6 m=18
